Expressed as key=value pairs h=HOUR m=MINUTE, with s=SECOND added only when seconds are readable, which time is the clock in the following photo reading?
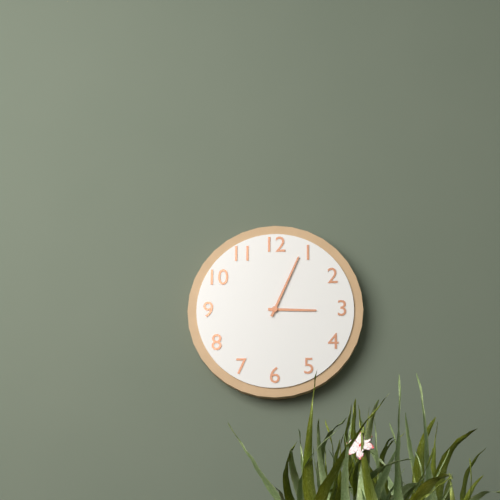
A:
h=3 m=4
